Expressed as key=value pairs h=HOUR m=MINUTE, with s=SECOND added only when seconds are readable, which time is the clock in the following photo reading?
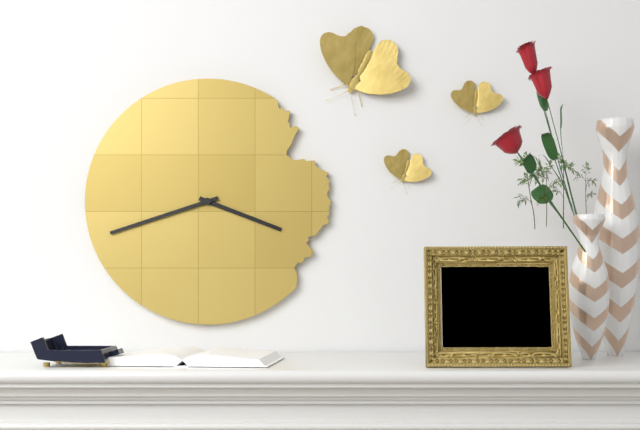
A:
h=3 m=42
